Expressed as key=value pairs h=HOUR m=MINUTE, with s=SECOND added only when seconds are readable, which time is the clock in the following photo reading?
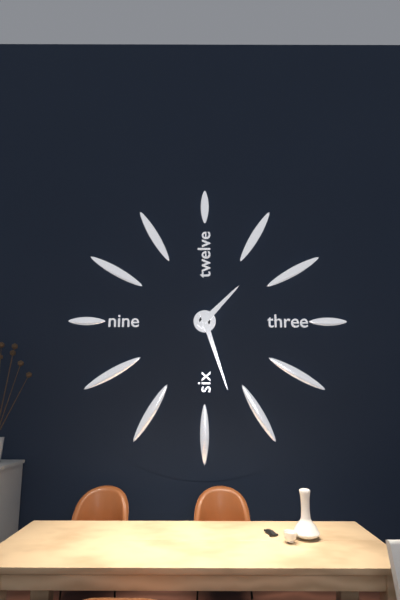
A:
h=1 m=27
